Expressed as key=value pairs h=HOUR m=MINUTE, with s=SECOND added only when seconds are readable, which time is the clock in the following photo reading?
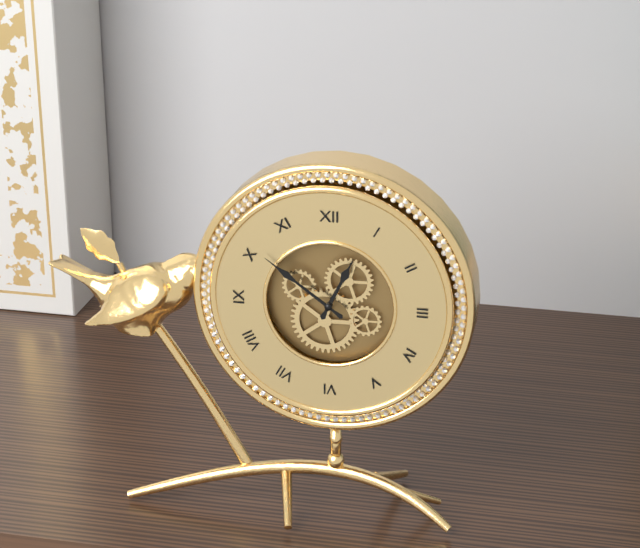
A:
h=12 m=51
